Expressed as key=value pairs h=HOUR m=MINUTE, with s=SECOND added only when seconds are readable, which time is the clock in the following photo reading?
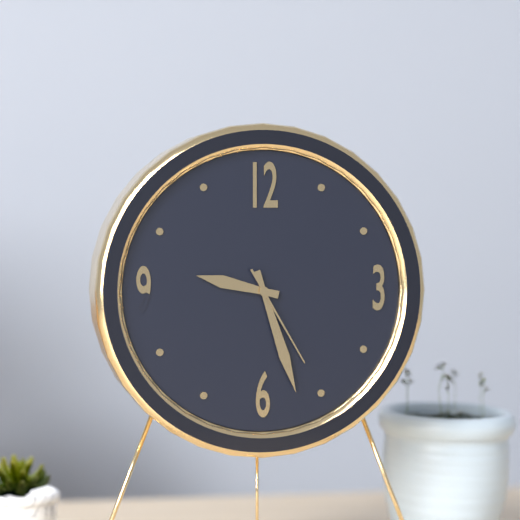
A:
h=9 m=27 s=25
